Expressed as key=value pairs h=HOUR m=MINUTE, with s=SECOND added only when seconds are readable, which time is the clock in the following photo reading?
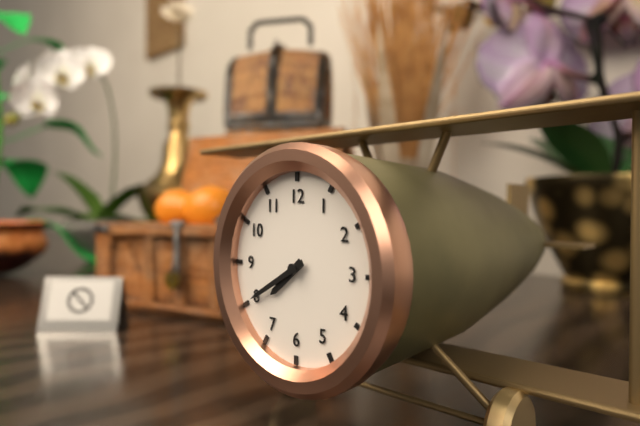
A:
h=7 m=40
